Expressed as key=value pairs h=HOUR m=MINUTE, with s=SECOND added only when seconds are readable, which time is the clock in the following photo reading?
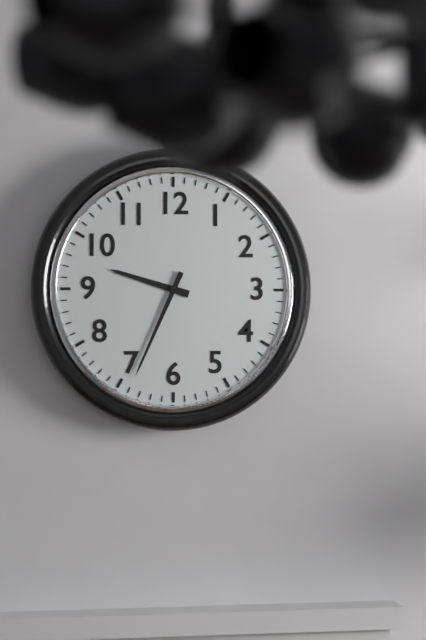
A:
h=9 m=34
